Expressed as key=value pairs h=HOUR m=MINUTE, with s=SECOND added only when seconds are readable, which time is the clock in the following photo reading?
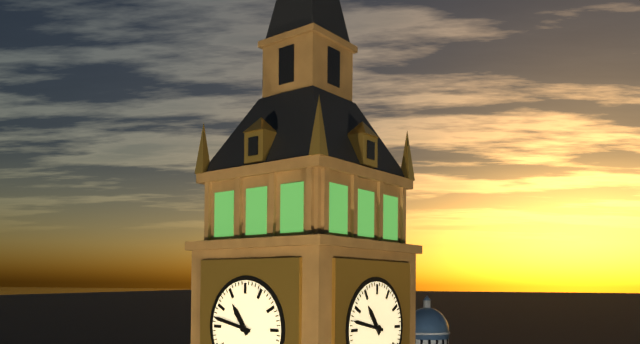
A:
h=10 m=47
